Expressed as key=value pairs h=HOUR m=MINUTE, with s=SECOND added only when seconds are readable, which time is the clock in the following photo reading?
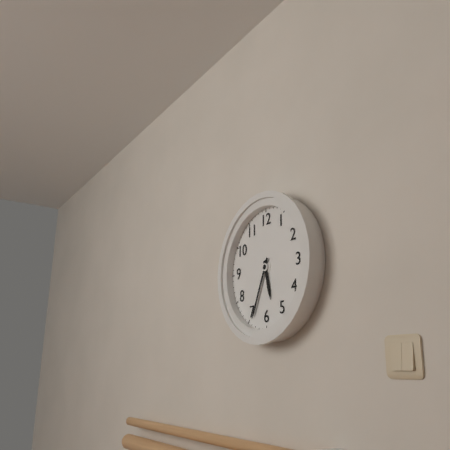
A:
h=5 m=34
